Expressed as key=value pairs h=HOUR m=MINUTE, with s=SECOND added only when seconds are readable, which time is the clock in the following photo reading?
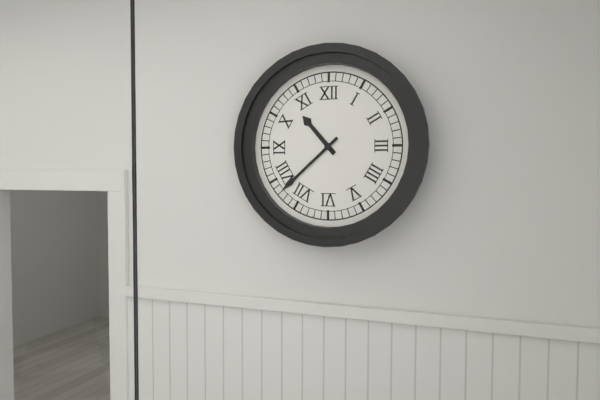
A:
h=10 m=38
